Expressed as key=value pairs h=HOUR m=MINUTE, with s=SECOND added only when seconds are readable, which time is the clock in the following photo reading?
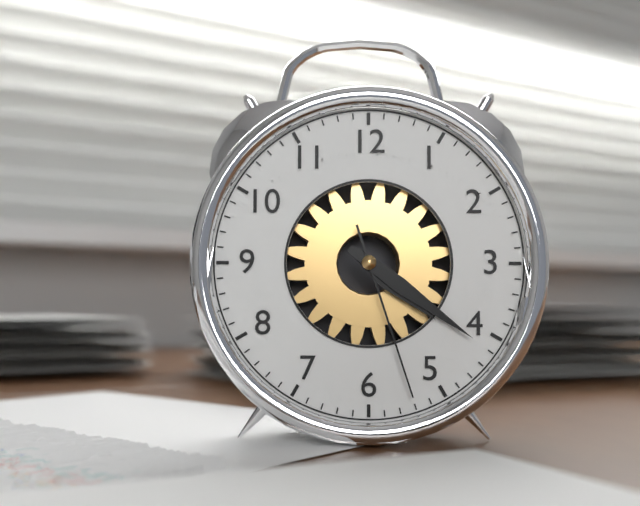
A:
h=4 m=21 s=27
